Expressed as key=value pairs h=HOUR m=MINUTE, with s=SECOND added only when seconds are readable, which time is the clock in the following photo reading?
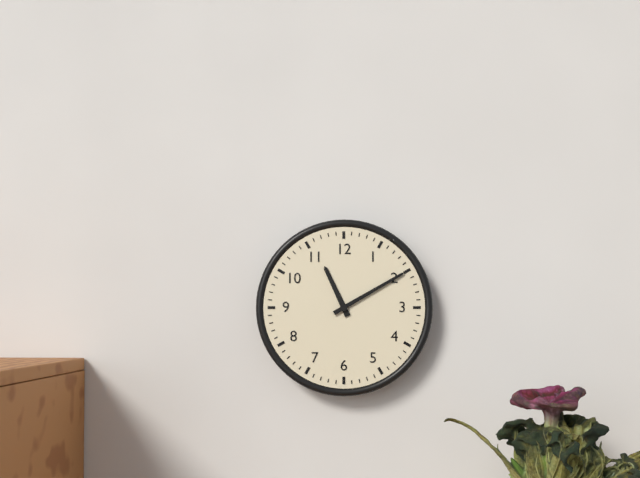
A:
h=11 m=10
